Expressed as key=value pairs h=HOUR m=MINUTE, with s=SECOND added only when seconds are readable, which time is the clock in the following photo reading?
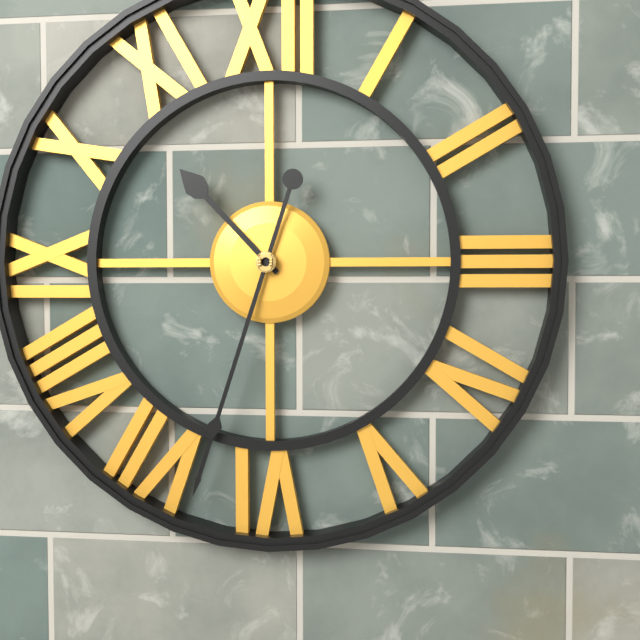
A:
h=10 m=33
